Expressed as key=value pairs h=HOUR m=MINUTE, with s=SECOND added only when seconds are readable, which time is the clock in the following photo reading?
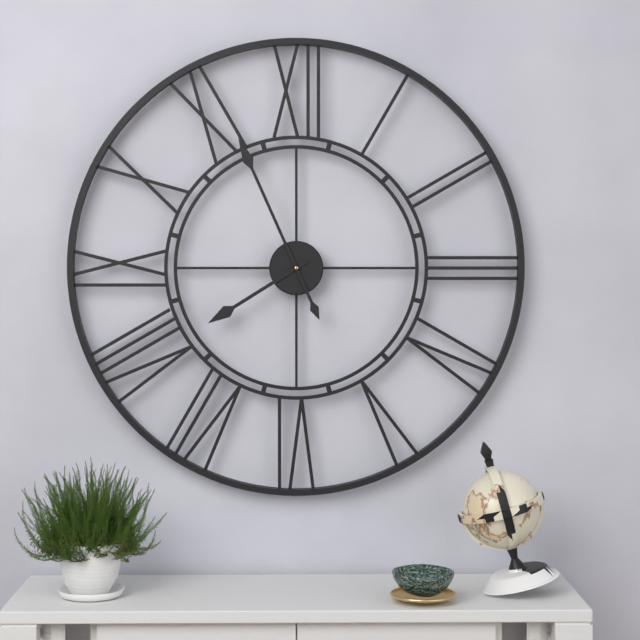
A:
h=7 m=56
